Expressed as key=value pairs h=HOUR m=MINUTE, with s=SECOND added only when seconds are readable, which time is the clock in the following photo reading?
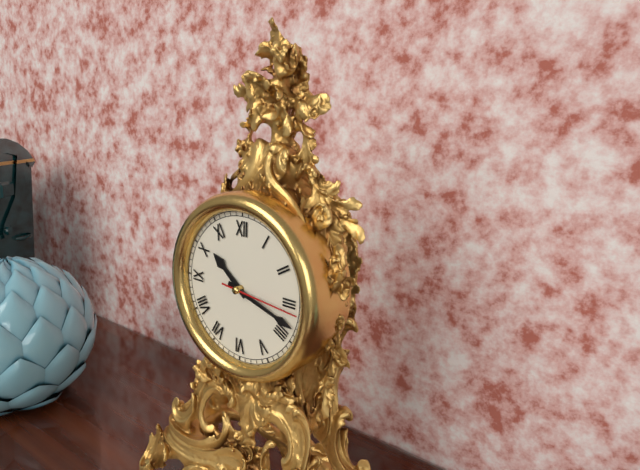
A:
h=10 m=18 s=16
